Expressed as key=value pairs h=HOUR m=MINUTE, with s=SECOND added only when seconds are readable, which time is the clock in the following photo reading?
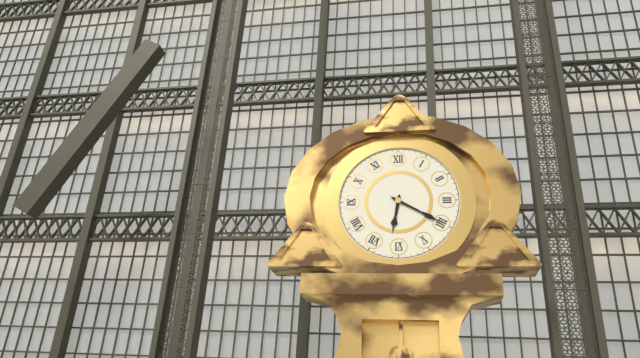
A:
h=6 m=20
